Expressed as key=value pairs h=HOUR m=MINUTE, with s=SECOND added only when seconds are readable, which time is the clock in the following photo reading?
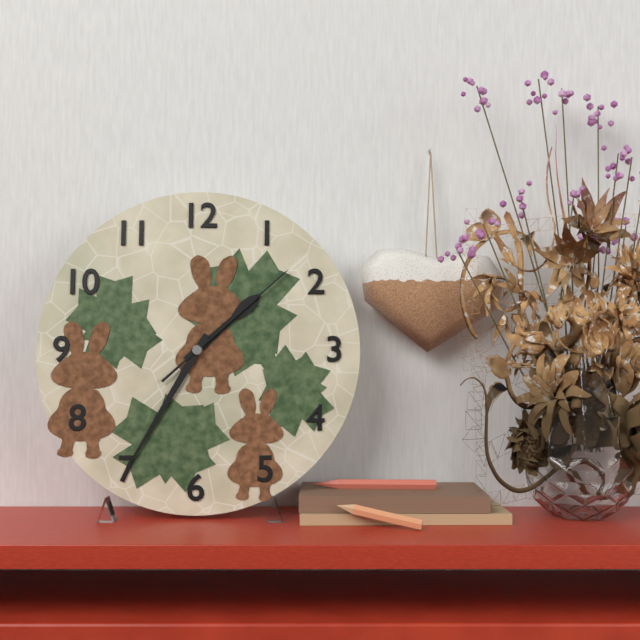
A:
h=1 m=35 s=8
